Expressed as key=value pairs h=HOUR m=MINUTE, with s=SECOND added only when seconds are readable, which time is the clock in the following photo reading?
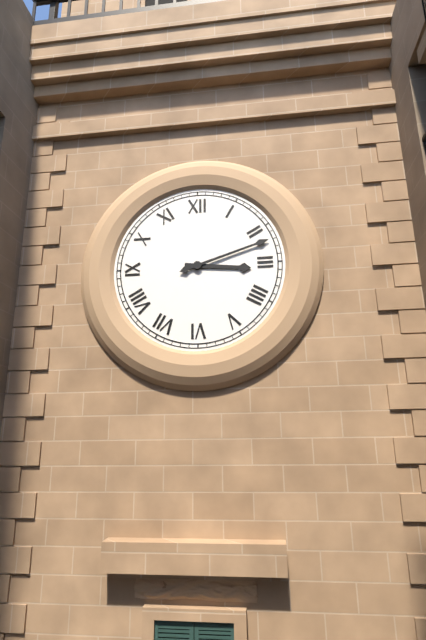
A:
h=3 m=12
